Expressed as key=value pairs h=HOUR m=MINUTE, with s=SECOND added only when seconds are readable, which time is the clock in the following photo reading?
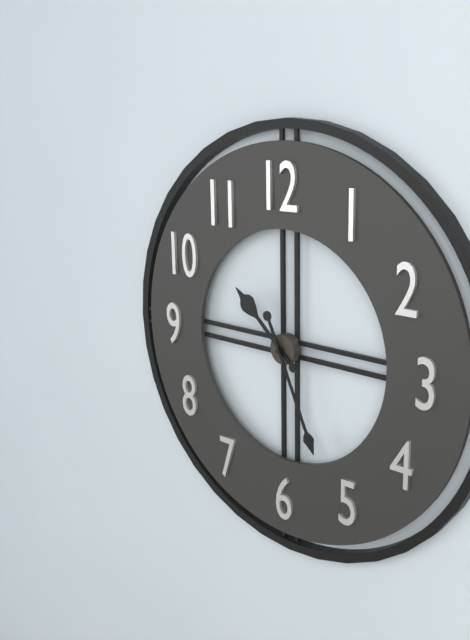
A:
h=10 m=26
